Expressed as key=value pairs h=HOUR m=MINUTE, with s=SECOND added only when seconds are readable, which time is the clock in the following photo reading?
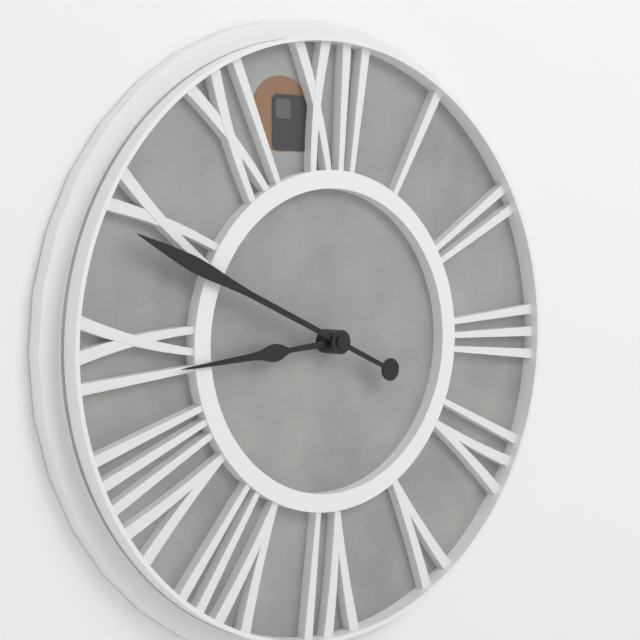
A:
h=8 m=49
